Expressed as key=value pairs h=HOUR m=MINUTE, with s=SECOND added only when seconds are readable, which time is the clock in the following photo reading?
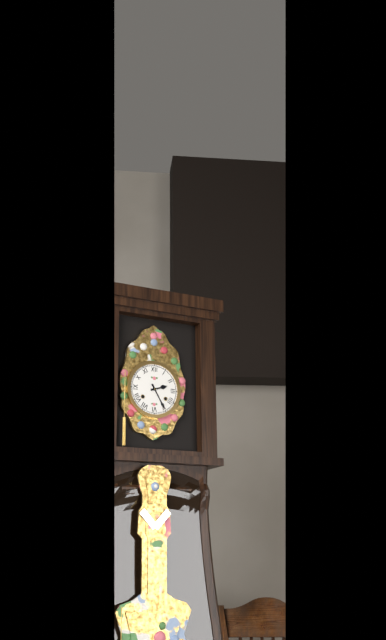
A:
h=2 m=25
